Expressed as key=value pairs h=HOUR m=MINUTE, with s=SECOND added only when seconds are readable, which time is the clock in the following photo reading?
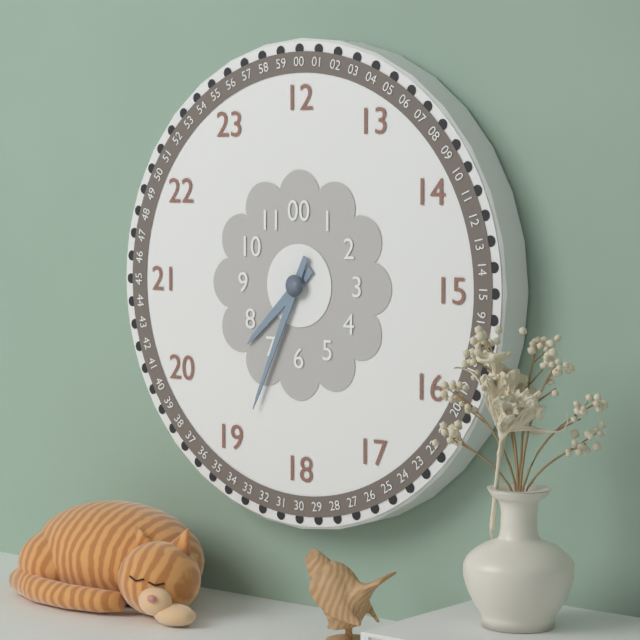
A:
h=7 m=34
